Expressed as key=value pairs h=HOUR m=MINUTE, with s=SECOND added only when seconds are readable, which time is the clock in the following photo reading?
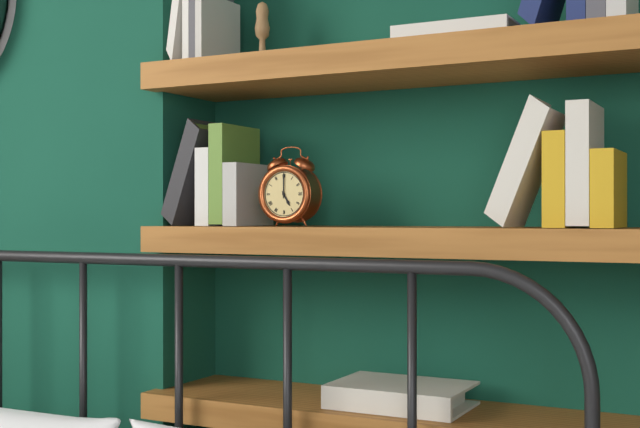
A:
h=5 m=0
